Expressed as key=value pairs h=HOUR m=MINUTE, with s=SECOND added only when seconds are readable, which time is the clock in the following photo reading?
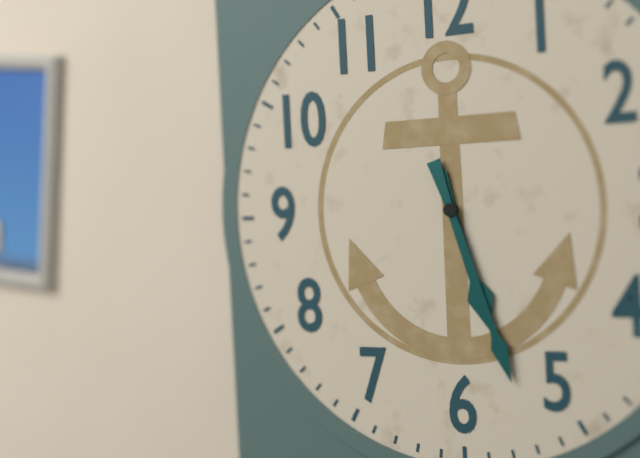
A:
h=5 m=27
